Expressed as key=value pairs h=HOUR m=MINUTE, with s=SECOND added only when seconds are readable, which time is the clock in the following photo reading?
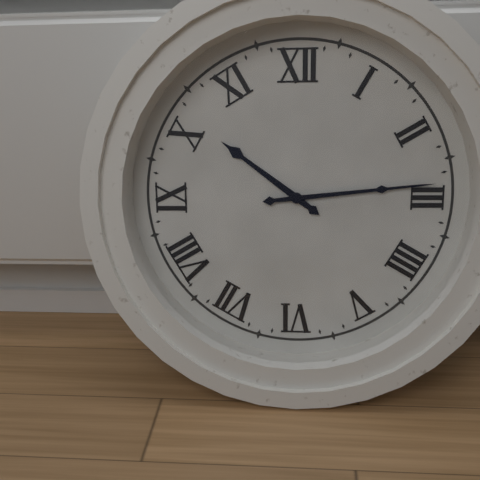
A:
h=10 m=14
